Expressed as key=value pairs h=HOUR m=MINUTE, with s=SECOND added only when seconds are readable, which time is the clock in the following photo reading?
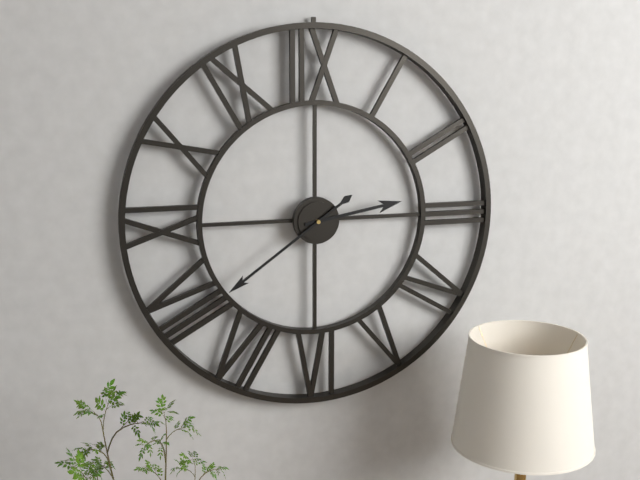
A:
h=2 m=39
